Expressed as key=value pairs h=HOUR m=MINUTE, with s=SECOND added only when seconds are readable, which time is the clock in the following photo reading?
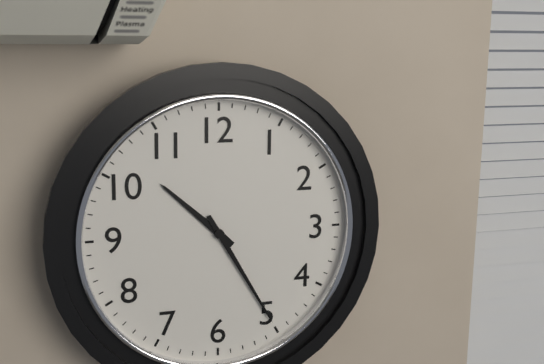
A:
h=10 m=25
